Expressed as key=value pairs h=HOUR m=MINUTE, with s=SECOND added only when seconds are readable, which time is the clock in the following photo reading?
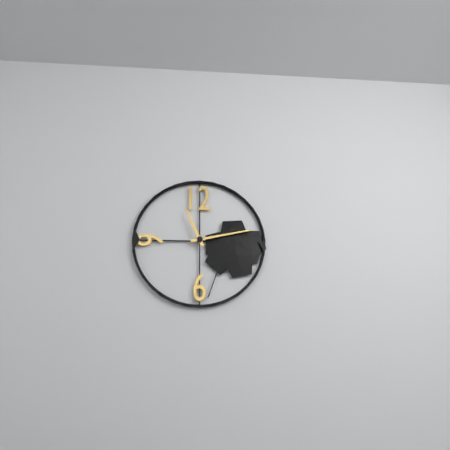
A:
h=11 m=13
